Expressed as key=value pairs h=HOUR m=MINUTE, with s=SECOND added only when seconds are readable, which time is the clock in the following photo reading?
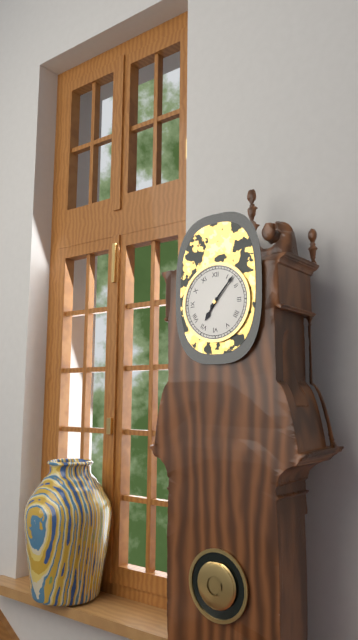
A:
h=7 m=7
